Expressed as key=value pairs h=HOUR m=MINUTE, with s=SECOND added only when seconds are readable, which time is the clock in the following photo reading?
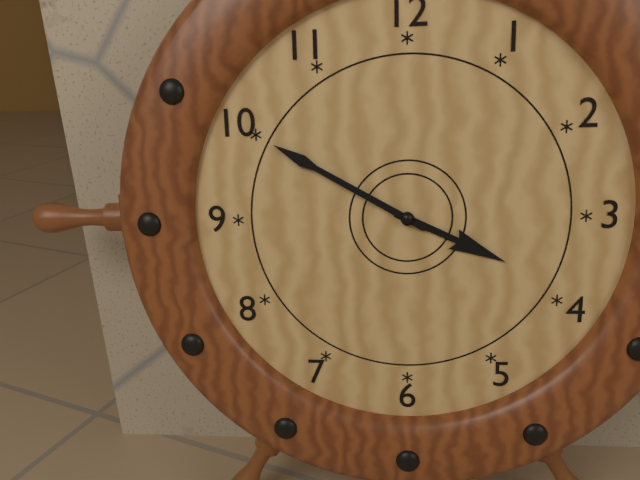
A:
h=3 m=50
